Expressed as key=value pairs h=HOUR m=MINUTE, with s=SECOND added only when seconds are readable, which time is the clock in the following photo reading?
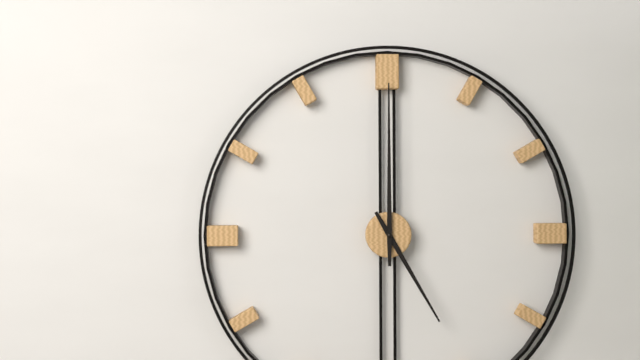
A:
h=5 m=0
